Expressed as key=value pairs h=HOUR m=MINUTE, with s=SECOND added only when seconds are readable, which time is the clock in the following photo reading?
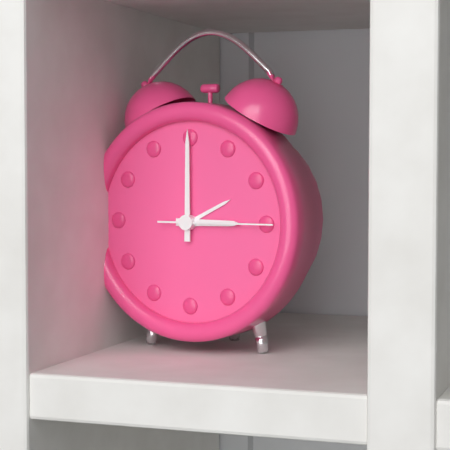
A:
h=3 m=0 s=15
